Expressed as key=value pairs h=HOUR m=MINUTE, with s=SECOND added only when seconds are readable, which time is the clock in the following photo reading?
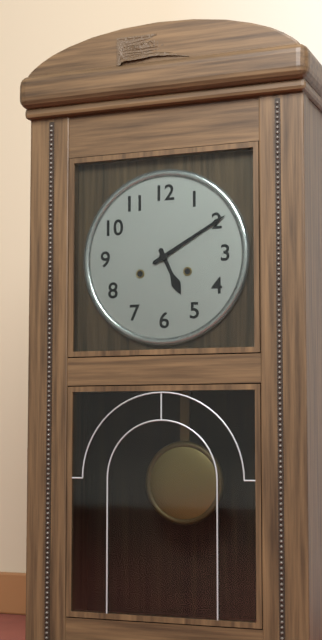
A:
h=5 m=10
